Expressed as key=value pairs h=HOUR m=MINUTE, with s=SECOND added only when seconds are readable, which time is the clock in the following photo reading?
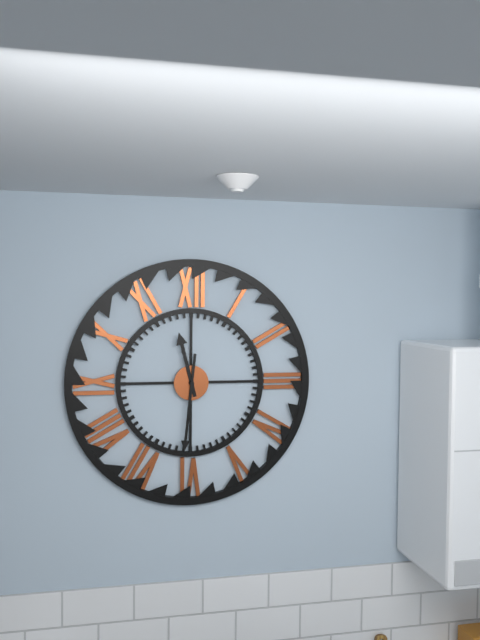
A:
h=11 m=31
